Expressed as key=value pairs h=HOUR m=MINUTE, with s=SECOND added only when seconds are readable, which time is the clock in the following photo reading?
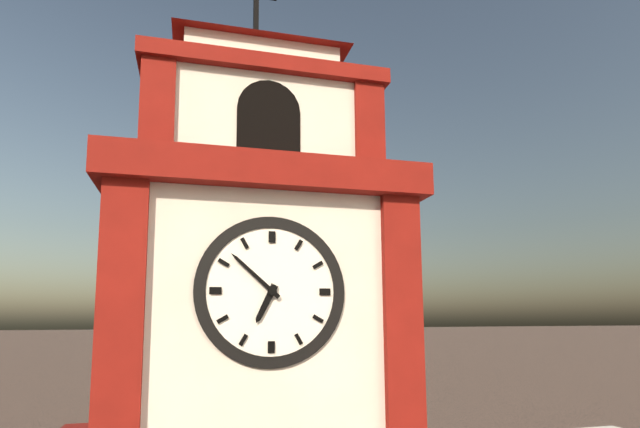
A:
h=6 m=52
